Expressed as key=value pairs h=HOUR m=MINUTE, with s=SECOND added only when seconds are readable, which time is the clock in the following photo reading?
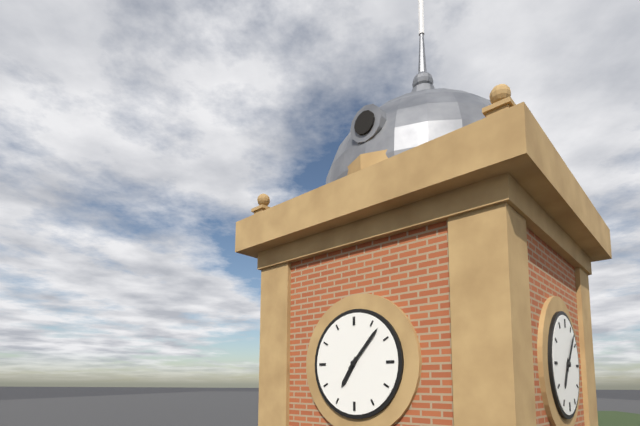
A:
h=7 m=7
